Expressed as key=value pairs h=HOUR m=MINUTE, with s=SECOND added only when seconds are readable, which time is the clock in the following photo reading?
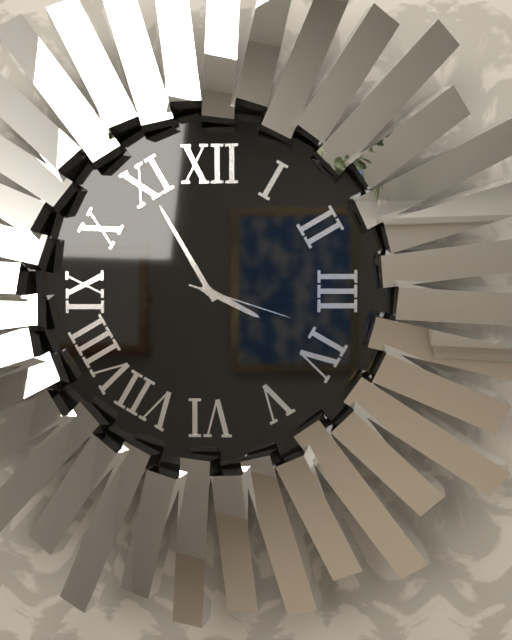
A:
h=3 m=55 s=18
